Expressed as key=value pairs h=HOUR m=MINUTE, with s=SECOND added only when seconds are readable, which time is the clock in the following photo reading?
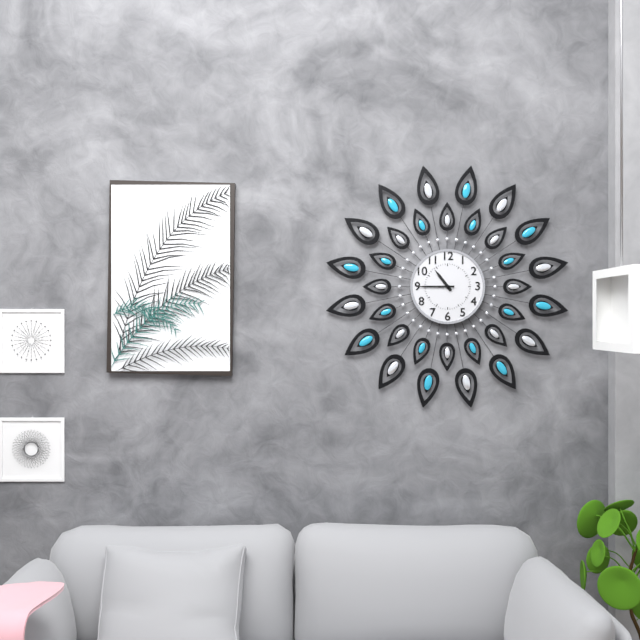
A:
h=10 m=45
